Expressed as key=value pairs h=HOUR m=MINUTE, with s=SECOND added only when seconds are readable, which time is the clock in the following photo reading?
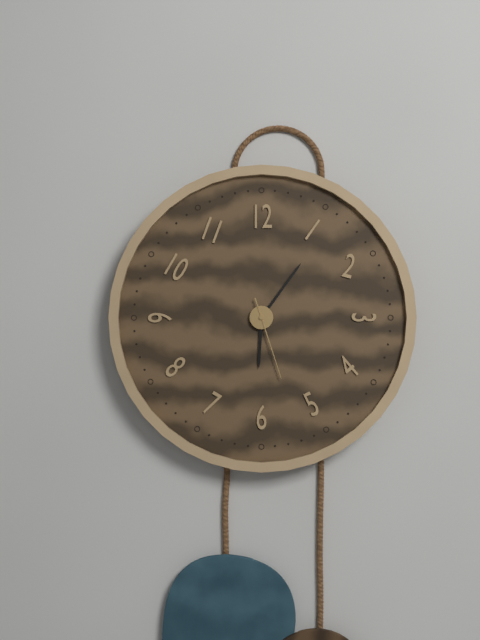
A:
h=6 m=6 s=27
